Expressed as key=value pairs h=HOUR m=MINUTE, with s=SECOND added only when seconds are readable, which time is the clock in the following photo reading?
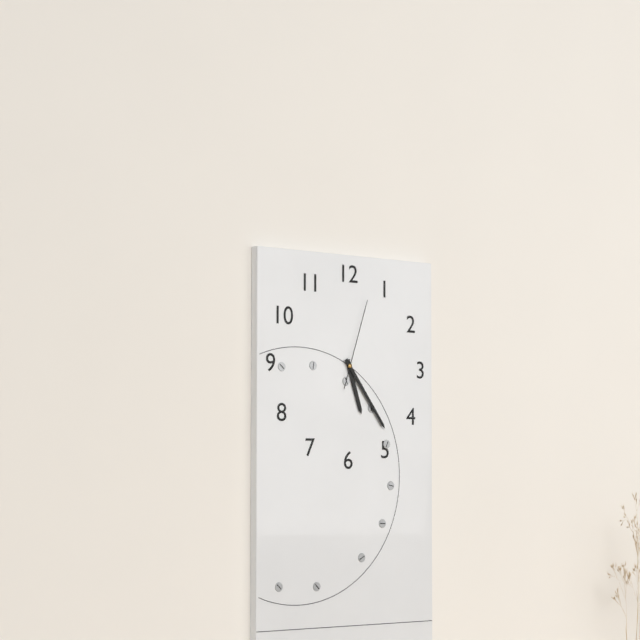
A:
h=5 m=24 s=3
